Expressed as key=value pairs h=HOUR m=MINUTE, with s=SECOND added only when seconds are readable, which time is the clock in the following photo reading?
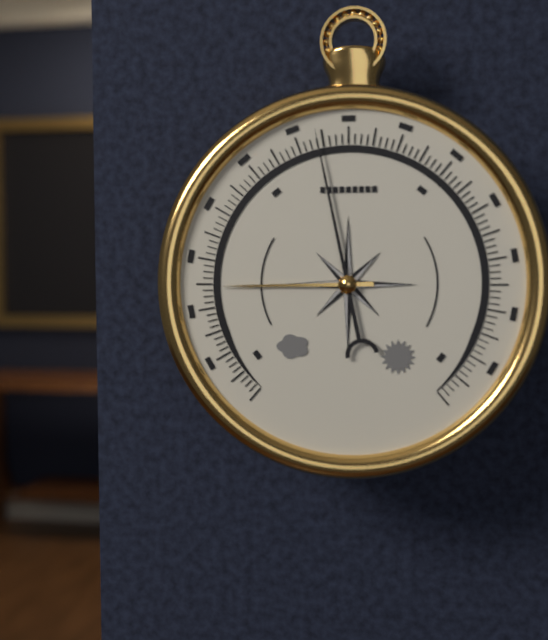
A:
h=8 m=58
